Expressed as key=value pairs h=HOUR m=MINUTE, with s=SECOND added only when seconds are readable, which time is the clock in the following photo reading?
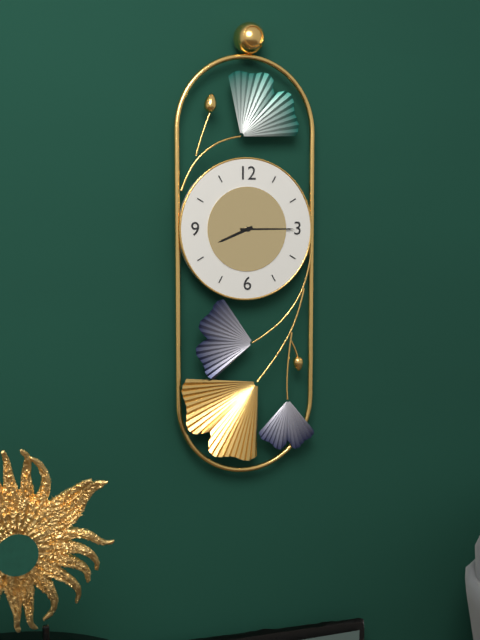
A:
h=8 m=15
